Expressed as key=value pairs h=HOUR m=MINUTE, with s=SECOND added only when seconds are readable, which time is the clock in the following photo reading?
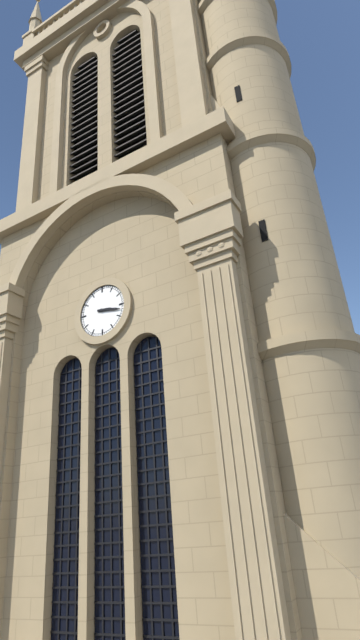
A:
h=3 m=17
